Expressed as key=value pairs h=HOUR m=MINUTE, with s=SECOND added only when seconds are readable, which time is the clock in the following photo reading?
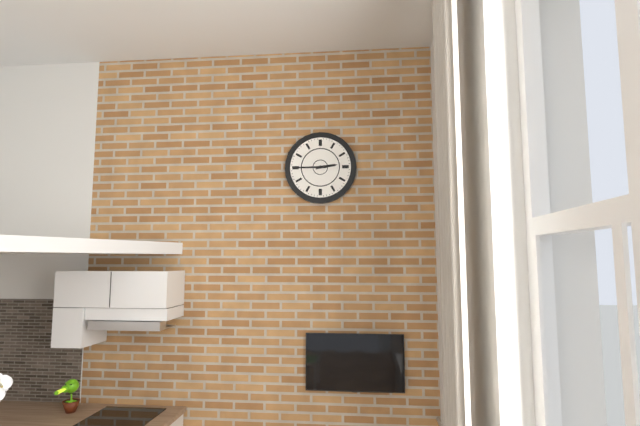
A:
h=2 m=45
